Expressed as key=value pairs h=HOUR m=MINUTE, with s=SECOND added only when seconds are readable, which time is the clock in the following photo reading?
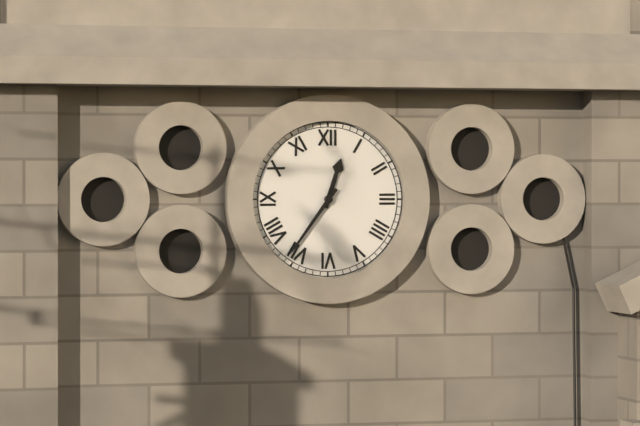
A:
h=12 m=36
